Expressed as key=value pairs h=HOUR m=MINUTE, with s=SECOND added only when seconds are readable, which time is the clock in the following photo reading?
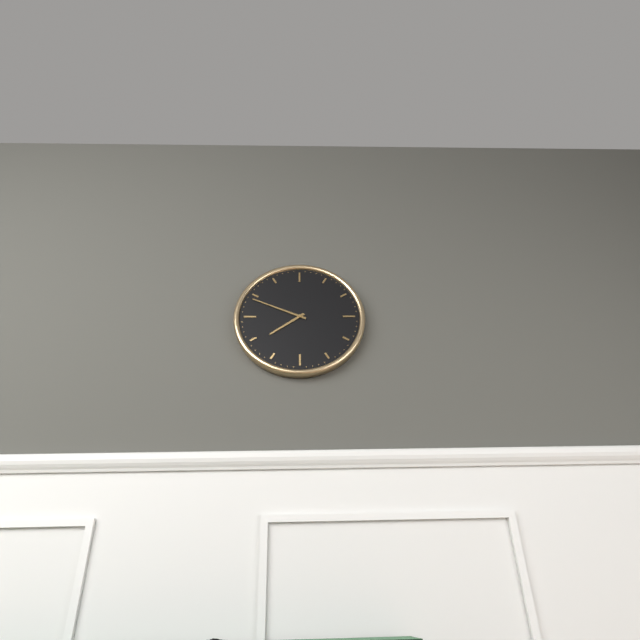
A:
h=7 m=49
